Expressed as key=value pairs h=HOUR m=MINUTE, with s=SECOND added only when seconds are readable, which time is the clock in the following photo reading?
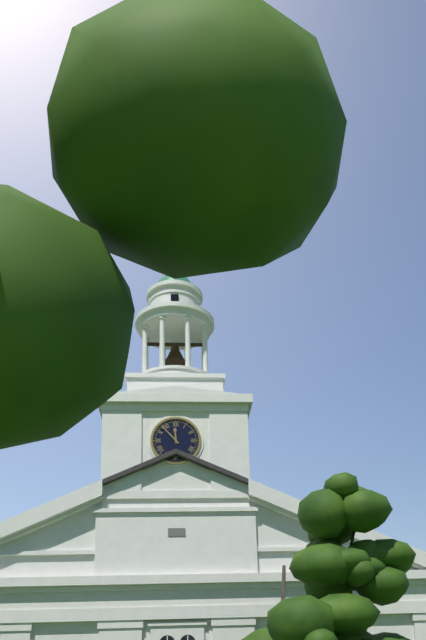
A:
h=11 m=53
